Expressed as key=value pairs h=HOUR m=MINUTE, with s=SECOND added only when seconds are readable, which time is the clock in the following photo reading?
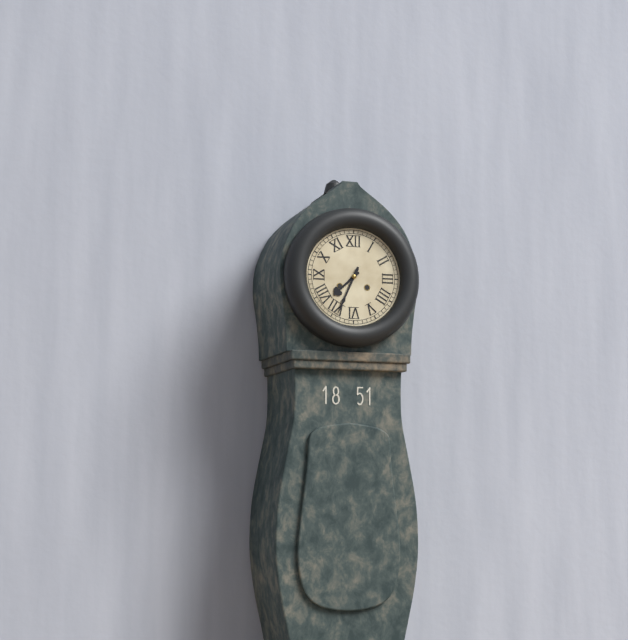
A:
h=7 m=34
